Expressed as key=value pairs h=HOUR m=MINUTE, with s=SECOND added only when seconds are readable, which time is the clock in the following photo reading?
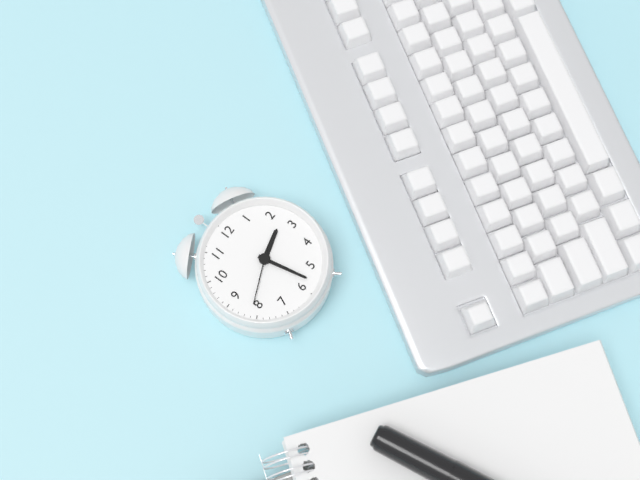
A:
h=2 m=28 s=41
